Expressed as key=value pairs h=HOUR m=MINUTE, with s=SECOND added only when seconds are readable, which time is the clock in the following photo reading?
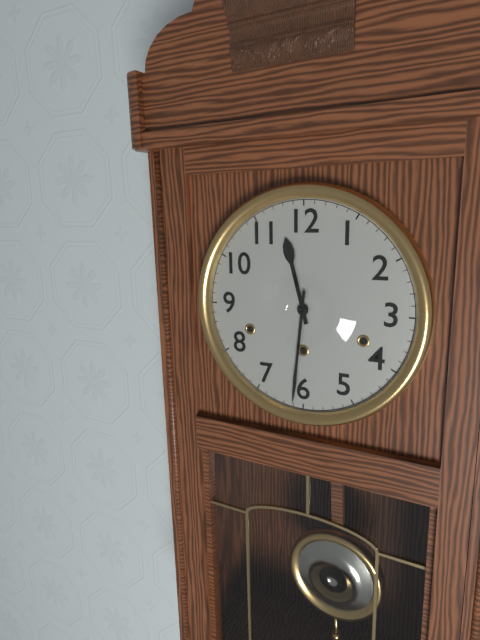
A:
h=11 m=31
